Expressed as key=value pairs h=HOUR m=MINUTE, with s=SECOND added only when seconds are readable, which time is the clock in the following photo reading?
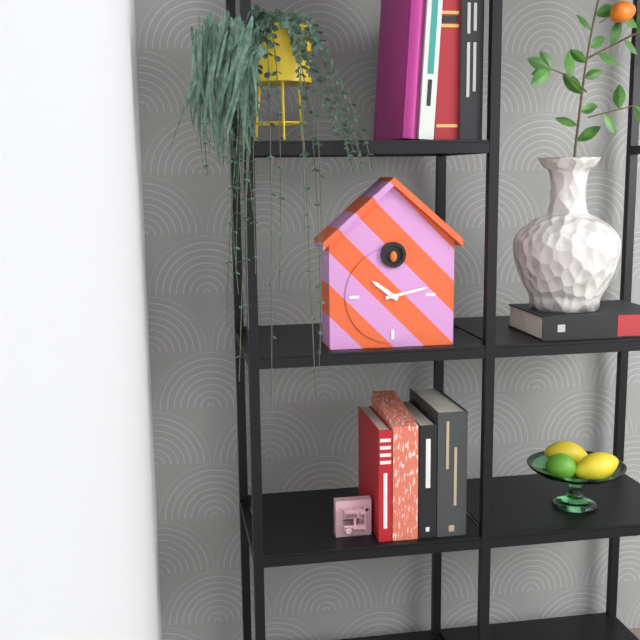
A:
h=10 m=13
